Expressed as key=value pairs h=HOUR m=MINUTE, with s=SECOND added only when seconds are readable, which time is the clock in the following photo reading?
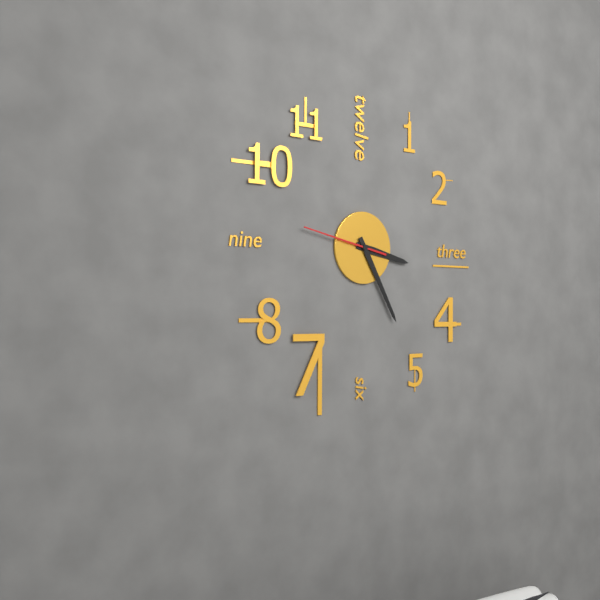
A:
h=3 m=25 s=47
